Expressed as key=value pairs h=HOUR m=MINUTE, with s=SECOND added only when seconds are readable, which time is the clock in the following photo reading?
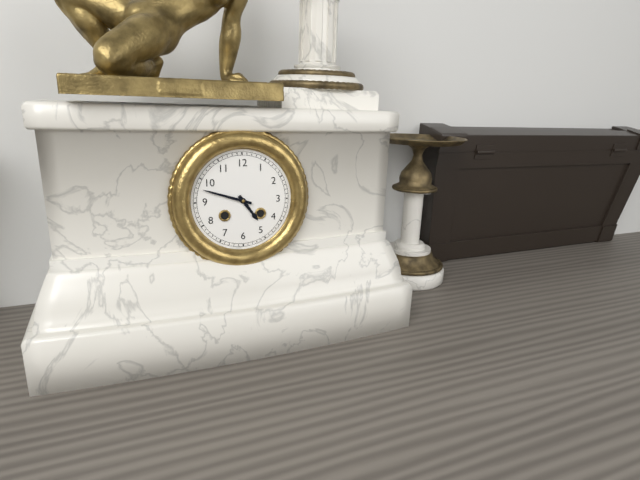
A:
h=4 m=48
